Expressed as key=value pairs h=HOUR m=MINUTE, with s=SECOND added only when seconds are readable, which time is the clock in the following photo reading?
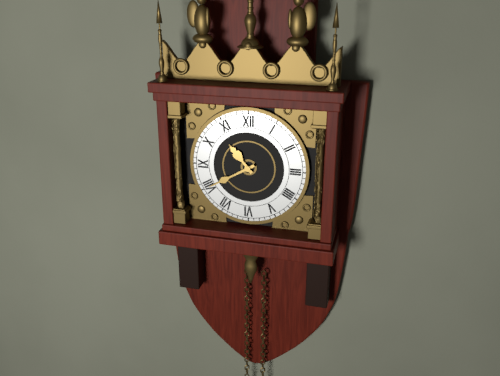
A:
h=10 m=40
